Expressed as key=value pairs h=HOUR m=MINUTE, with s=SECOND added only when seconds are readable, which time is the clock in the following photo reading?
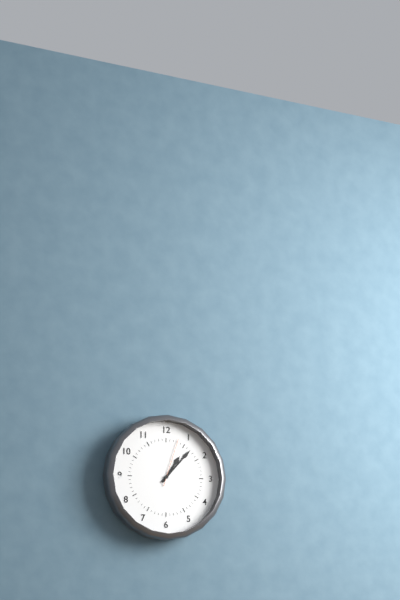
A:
h=1 m=7
